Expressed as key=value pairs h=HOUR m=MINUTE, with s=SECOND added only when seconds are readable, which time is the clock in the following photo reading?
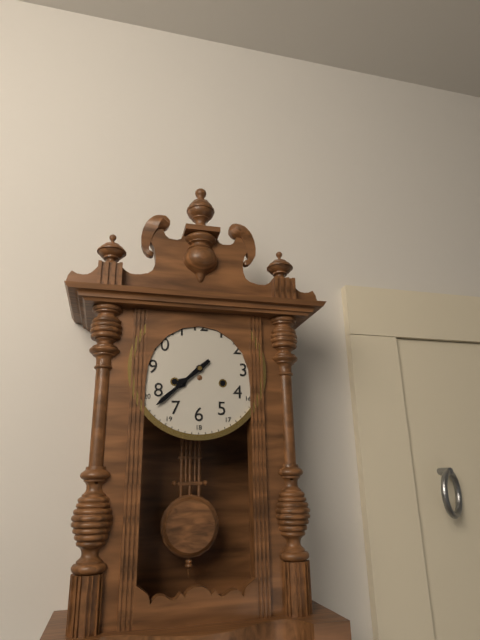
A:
h=7 m=38
